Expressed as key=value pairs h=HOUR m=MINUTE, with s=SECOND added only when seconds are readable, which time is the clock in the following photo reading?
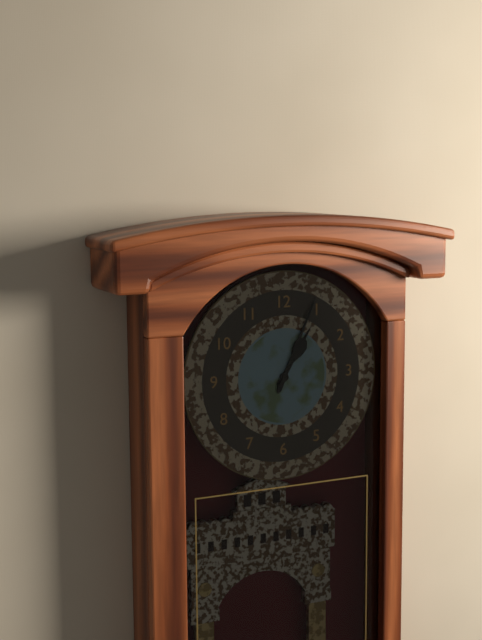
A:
h=1 m=4
